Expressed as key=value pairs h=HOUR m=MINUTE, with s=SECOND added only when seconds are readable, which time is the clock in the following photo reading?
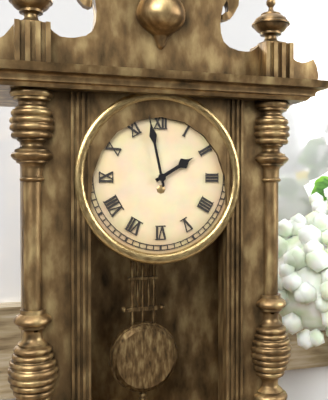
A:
h=1 m=58
